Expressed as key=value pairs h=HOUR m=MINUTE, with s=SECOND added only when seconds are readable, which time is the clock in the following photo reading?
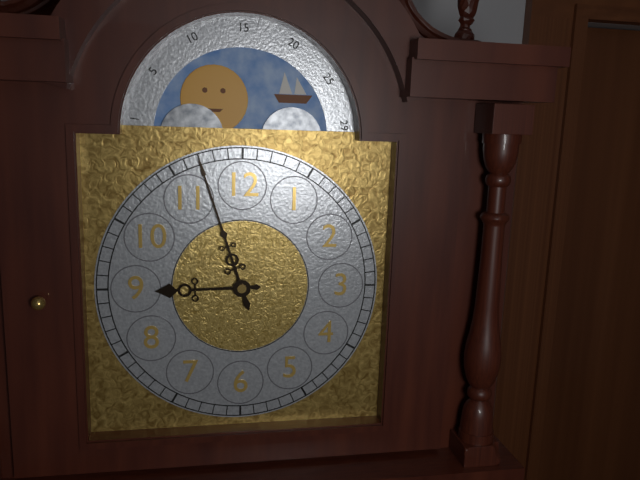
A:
h=8 m=57
